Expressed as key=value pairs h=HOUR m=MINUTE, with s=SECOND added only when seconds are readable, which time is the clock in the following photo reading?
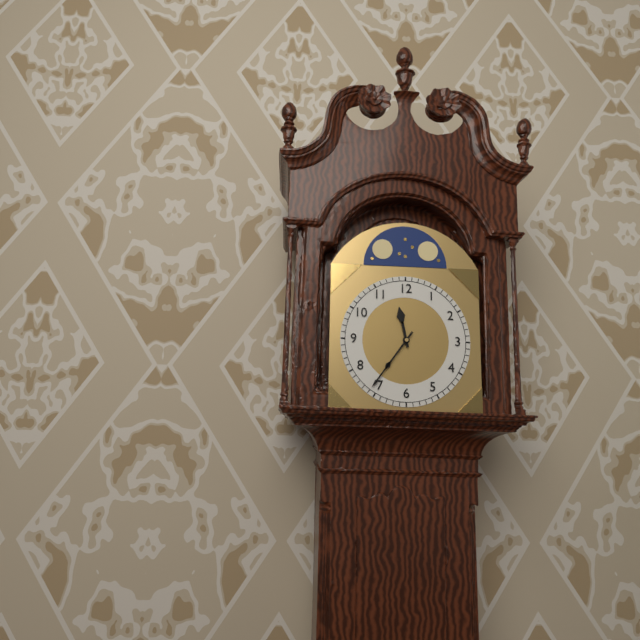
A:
h=11 m=36
